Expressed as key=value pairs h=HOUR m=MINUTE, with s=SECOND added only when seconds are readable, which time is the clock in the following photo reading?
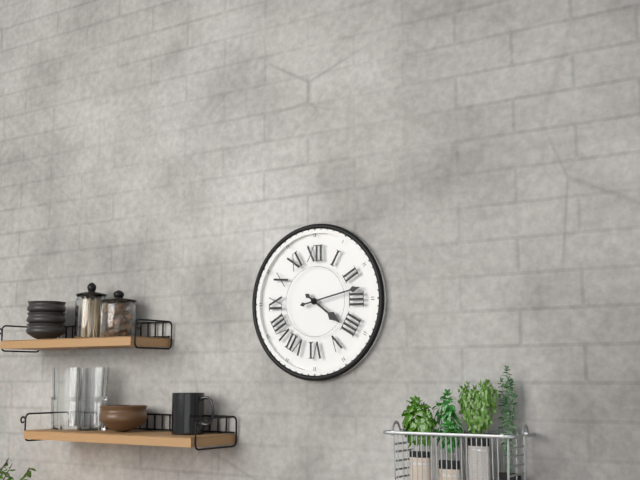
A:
h=4 m=13
